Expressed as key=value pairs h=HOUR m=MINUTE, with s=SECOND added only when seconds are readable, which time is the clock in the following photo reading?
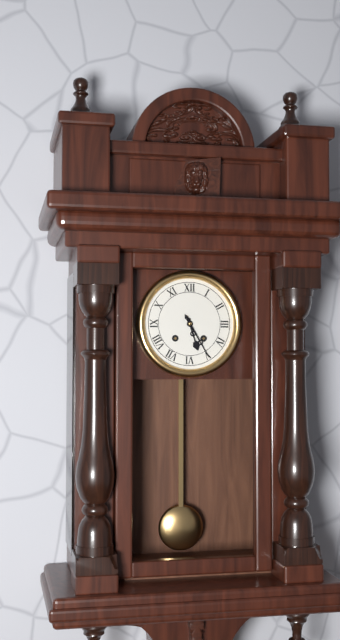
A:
h=5 m=25
